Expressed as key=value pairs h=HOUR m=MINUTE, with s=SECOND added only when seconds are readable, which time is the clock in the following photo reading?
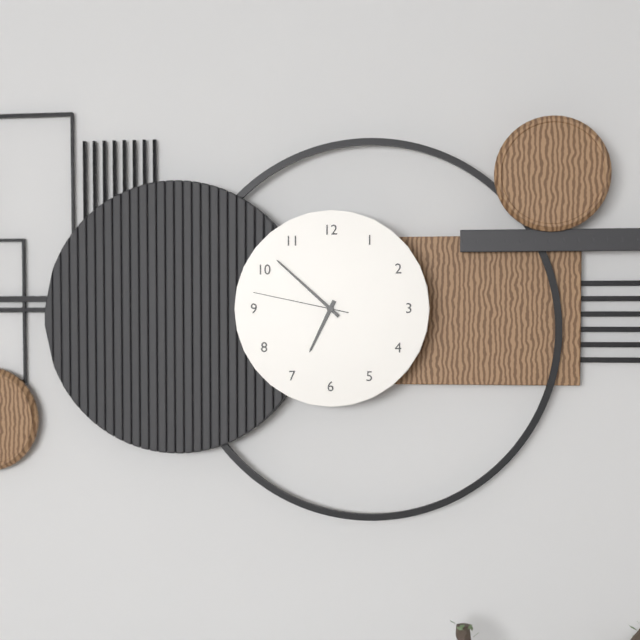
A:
h=6 m=52 s=47
